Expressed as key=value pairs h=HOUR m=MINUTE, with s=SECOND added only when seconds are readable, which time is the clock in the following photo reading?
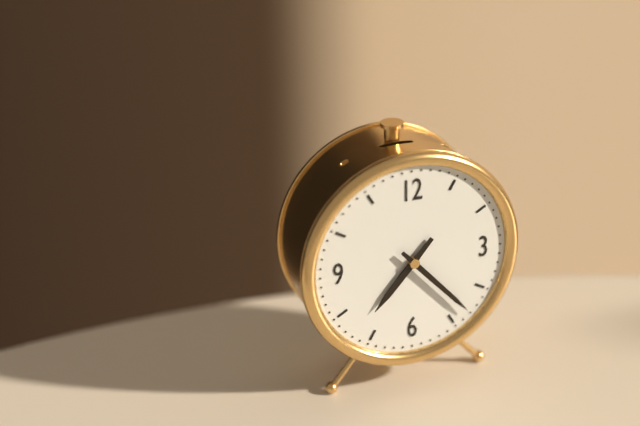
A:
h=7 m=23
